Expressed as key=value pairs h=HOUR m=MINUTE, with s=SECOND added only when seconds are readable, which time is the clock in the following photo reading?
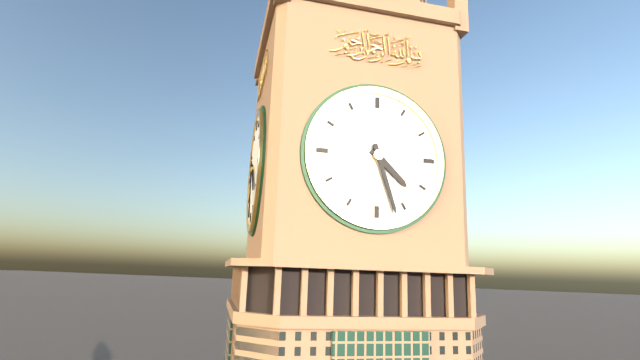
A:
h=4 m=27
